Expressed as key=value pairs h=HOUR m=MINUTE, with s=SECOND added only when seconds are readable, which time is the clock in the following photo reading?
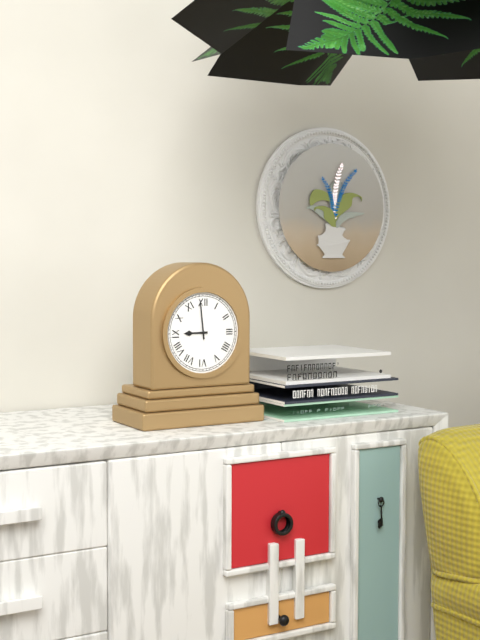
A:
h=8 m=59
